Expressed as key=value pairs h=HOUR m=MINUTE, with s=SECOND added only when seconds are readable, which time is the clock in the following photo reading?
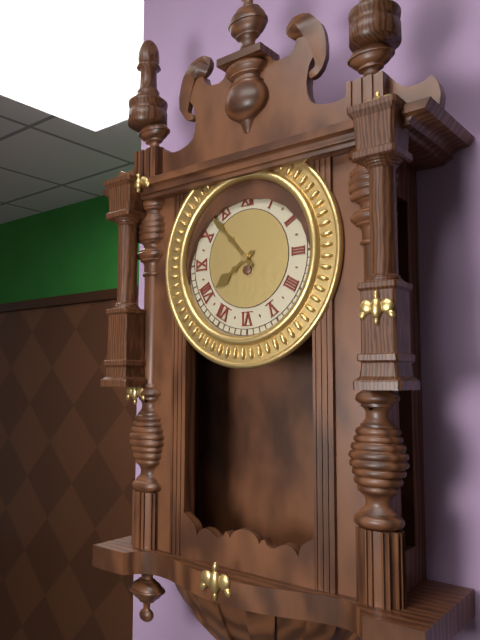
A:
h=7 m=53
